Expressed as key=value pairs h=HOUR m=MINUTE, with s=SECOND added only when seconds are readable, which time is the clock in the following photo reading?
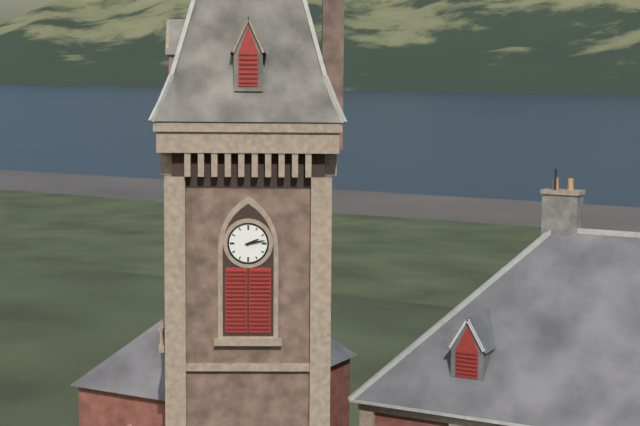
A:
h=2 m=13
